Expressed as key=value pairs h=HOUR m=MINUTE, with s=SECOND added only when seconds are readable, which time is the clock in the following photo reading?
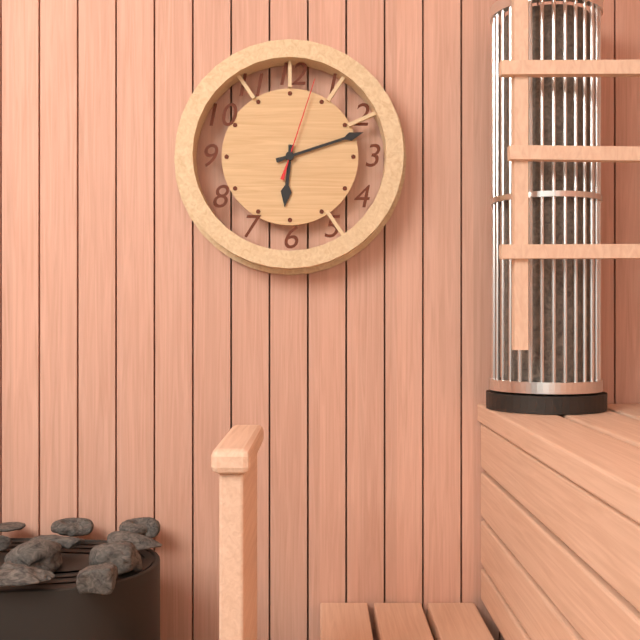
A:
h=6 m=12 s=3
